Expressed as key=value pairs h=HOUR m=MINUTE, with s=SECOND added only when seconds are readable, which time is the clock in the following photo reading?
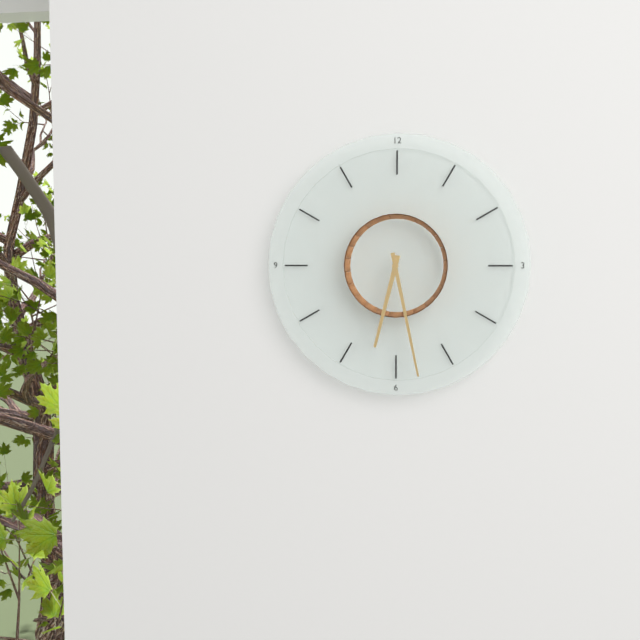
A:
h=6 m=28
